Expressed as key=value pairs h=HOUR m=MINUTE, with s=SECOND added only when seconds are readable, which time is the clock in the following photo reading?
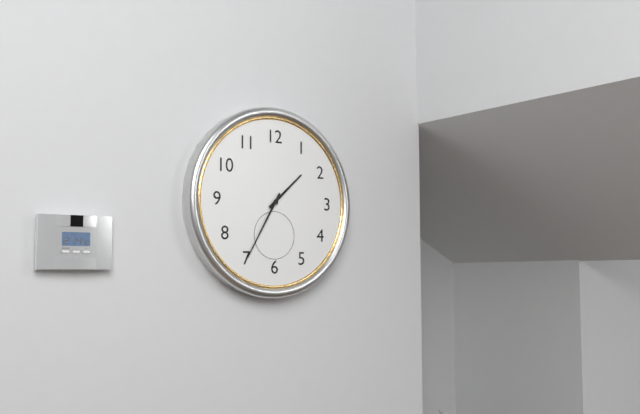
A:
h=1 m=35
